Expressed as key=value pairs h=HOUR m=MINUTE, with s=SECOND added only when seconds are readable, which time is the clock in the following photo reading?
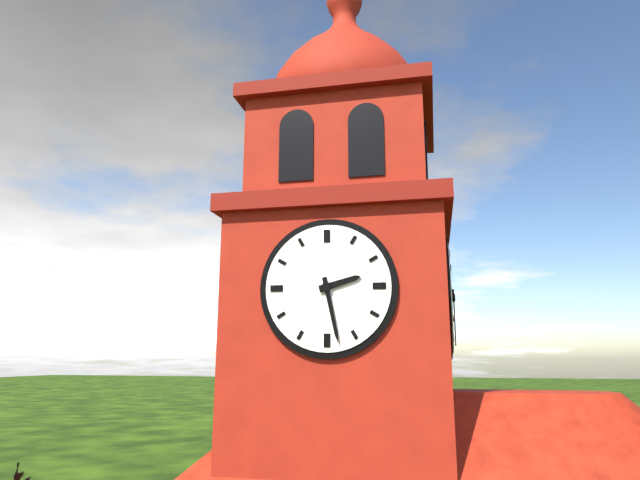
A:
h=2 m=28
